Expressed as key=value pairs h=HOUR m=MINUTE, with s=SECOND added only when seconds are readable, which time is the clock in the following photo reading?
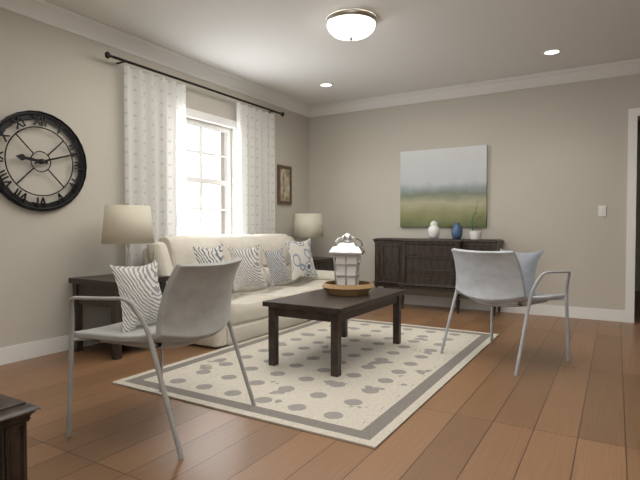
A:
h=9 m=12
